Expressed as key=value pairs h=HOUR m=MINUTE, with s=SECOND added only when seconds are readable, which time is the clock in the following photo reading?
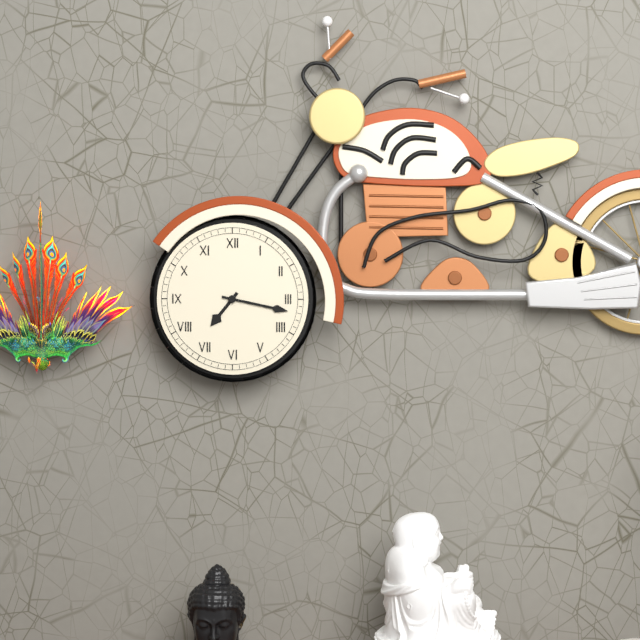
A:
h=7 m=17
